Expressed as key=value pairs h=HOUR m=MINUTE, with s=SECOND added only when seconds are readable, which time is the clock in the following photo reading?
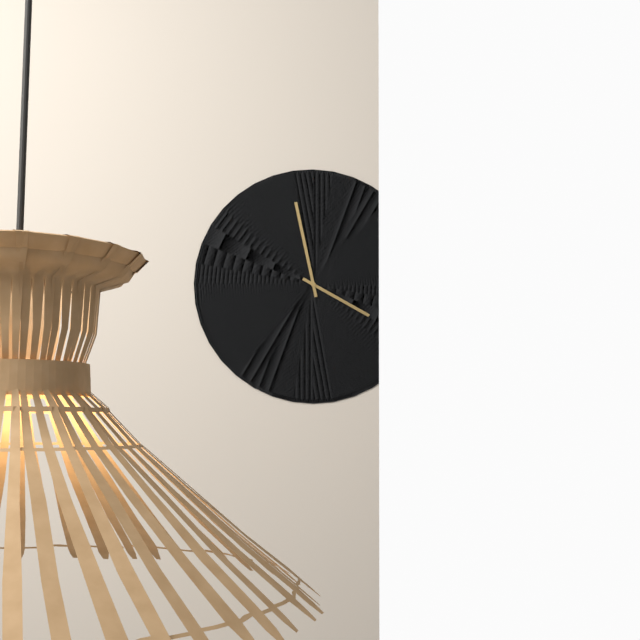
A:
h=3 m=58
